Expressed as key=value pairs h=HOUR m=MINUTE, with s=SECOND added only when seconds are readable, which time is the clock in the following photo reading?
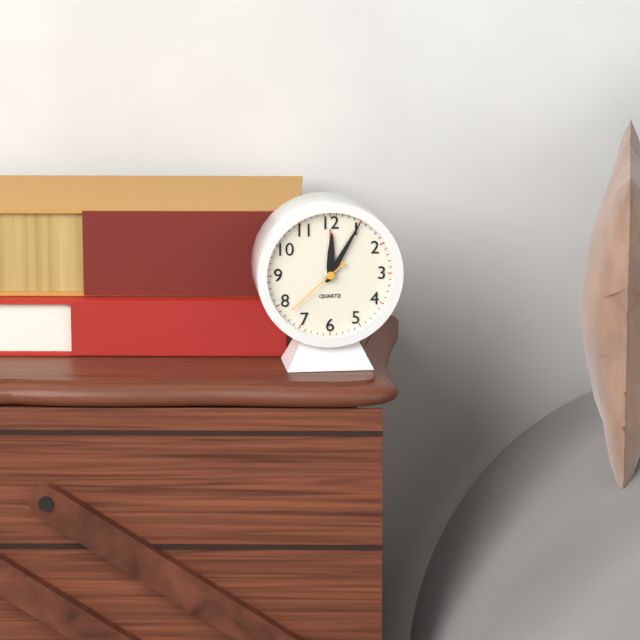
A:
h=12 m=5 s=38
